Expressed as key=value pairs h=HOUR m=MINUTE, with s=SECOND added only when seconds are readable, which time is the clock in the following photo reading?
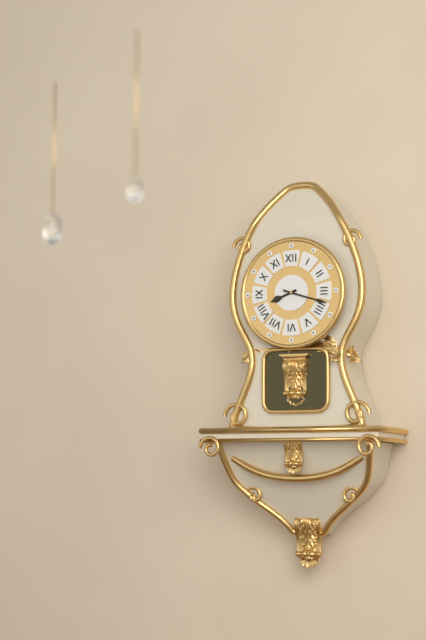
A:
h=8 m=18
